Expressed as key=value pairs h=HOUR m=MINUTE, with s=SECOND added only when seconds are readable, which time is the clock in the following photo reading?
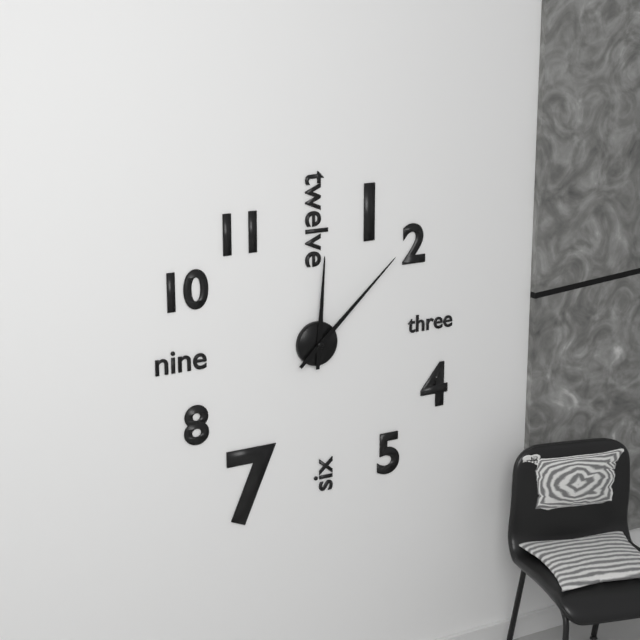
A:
h=12 m=8
